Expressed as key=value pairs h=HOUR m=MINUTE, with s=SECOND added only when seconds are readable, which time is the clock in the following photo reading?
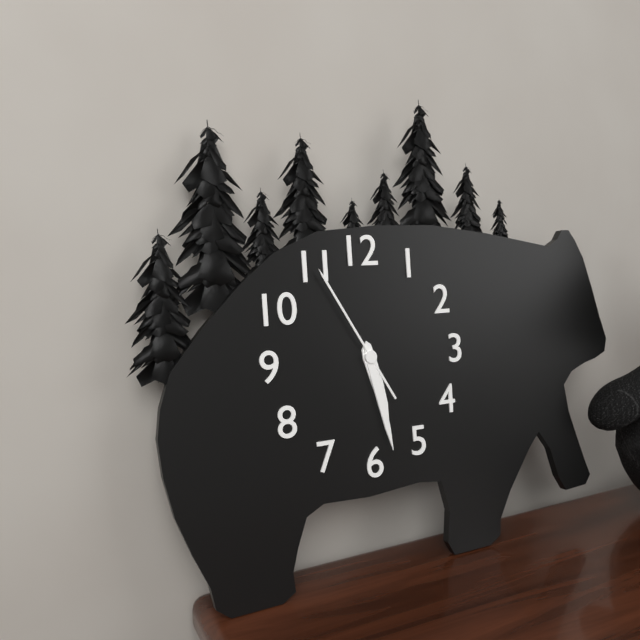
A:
h=5 m=28 s=55
